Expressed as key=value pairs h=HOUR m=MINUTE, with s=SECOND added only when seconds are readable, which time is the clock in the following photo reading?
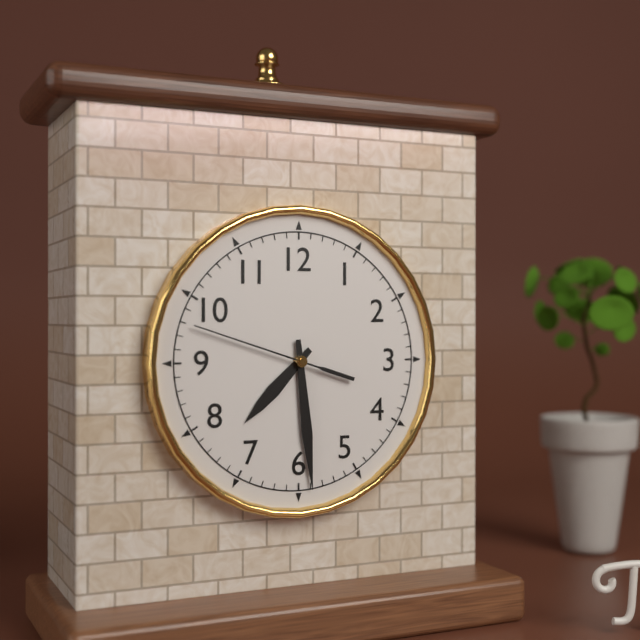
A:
h=7 m=29 s=48
